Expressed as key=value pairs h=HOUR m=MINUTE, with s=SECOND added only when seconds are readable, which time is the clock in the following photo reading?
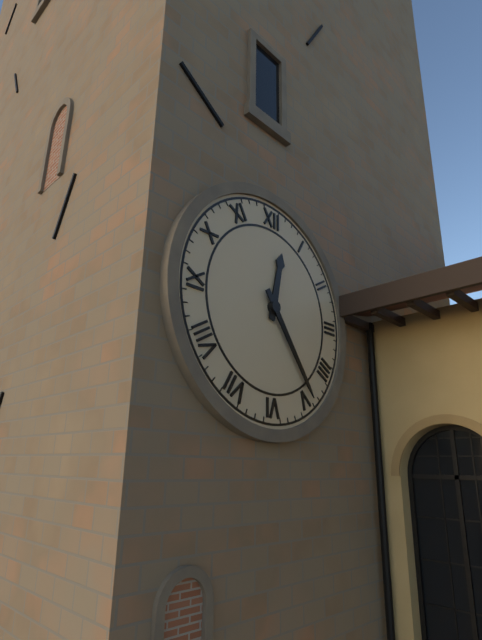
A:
h=12 m=24
